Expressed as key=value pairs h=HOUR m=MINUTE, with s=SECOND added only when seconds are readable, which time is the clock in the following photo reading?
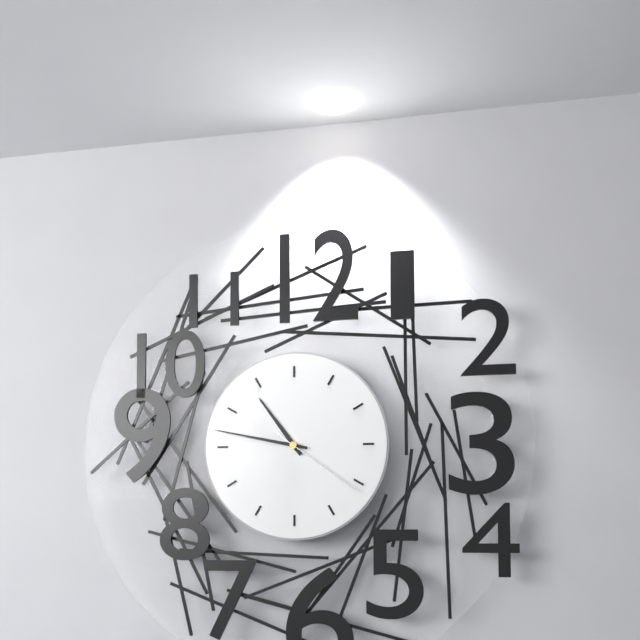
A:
h=10 m=47 s=21
